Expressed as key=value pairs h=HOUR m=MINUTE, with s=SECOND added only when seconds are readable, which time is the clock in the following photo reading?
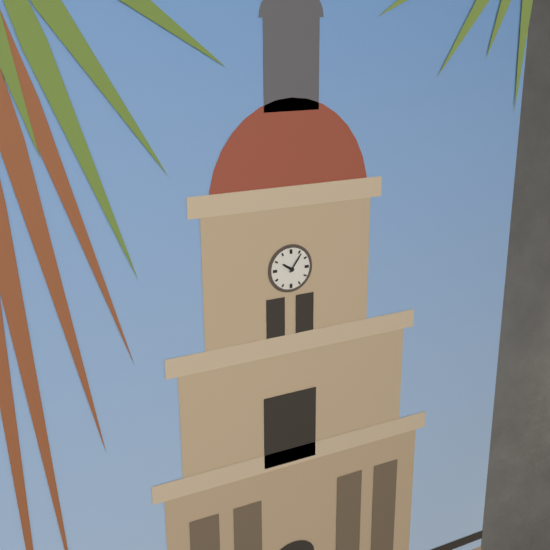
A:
h=10 m=6
